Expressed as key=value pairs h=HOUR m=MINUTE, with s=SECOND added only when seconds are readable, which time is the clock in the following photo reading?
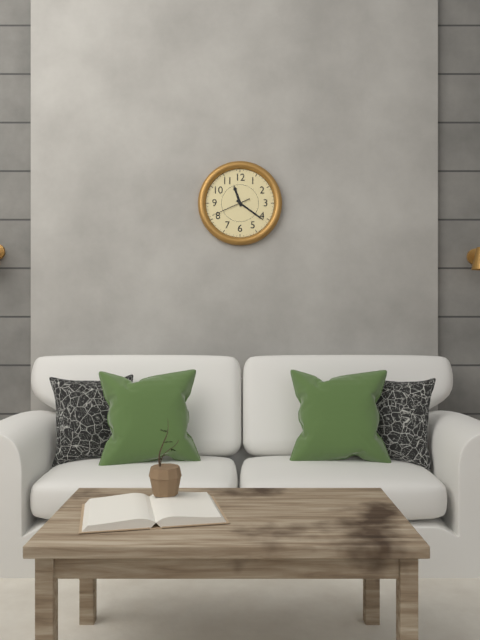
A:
h=11 m=21
